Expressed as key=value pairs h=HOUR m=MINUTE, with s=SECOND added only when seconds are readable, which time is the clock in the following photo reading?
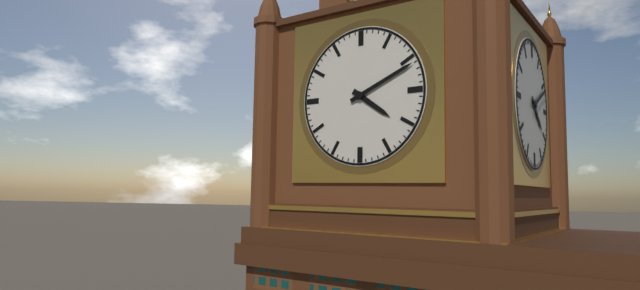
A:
h=4 m=11
